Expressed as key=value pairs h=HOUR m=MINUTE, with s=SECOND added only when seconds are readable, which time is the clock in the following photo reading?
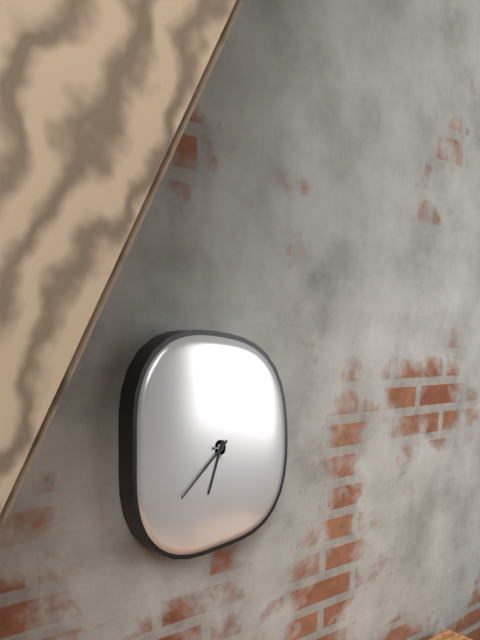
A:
h=6 m=38
